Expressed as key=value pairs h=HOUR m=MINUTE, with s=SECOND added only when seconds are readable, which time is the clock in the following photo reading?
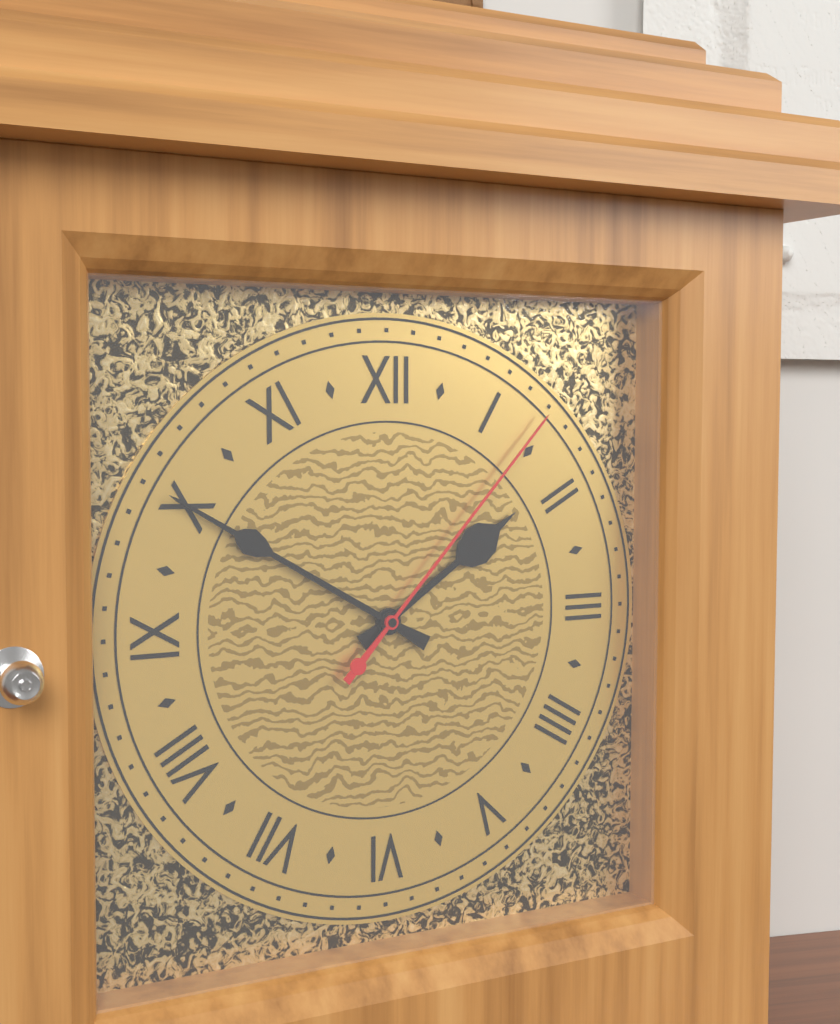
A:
h=1 m=50 s=7
